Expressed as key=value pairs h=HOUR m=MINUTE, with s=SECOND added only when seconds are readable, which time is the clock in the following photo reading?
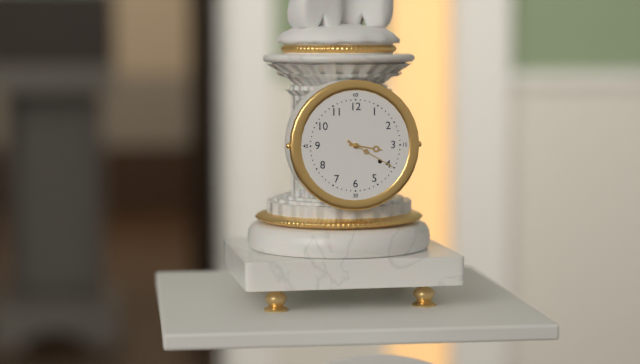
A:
h=3 m=20
